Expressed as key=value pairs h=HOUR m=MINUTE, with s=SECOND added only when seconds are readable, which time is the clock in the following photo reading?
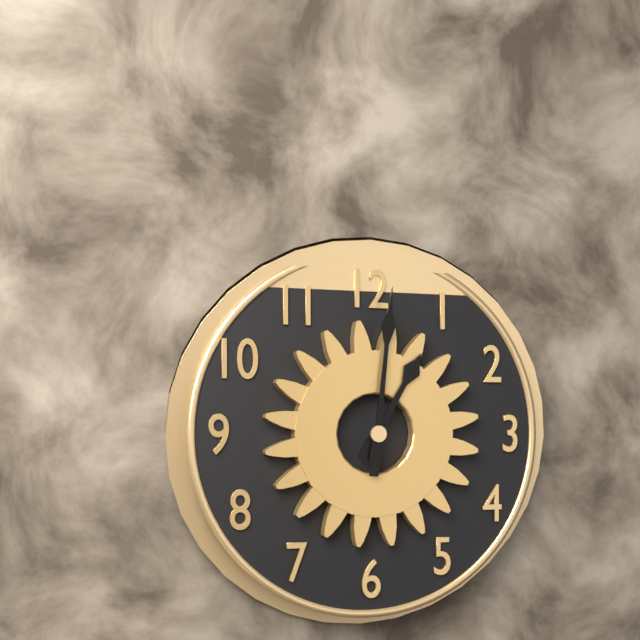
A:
h=1 m=1
